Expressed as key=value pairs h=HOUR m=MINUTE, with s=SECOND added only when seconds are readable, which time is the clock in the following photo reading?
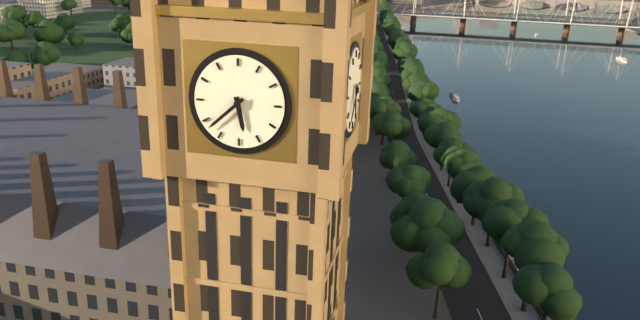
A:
h=5 m=38
